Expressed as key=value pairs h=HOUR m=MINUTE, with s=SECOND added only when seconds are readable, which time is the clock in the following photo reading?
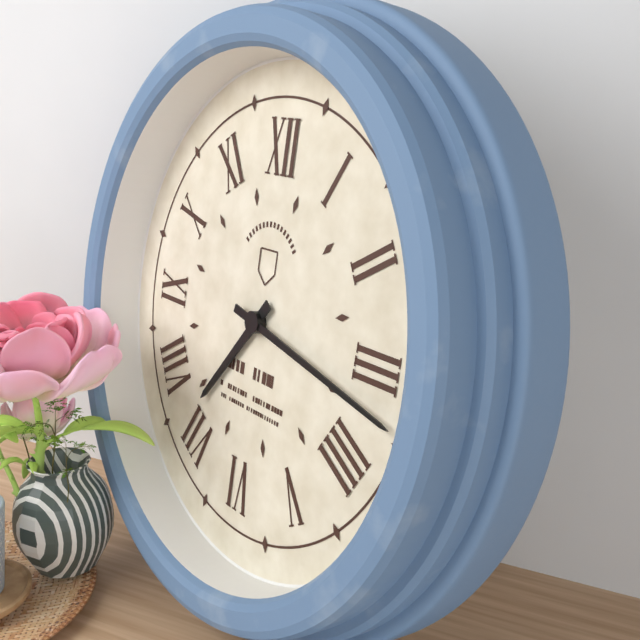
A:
h=7 m=17
